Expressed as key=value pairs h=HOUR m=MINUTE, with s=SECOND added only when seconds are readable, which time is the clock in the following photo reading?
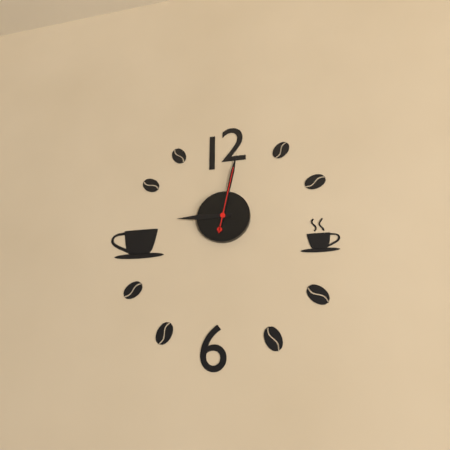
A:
h=9 m=2 s=2
